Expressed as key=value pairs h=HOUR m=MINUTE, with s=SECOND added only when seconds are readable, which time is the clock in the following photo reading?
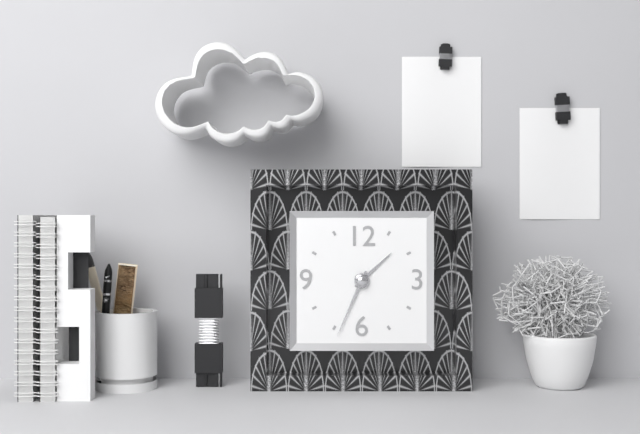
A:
h=1 m=34
